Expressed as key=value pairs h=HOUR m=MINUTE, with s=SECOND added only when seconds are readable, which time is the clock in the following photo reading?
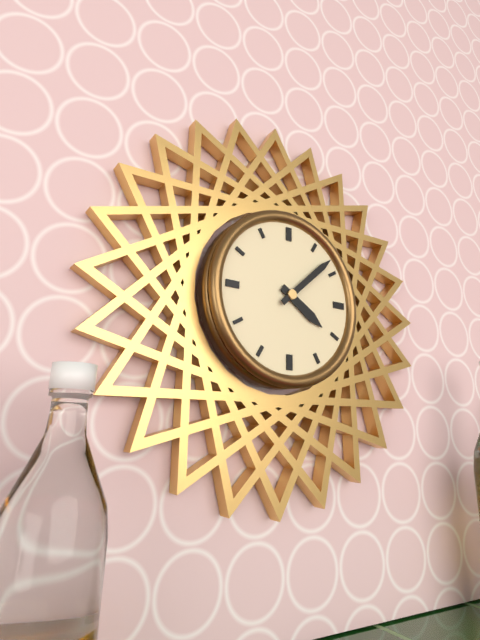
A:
h=4 m=8
